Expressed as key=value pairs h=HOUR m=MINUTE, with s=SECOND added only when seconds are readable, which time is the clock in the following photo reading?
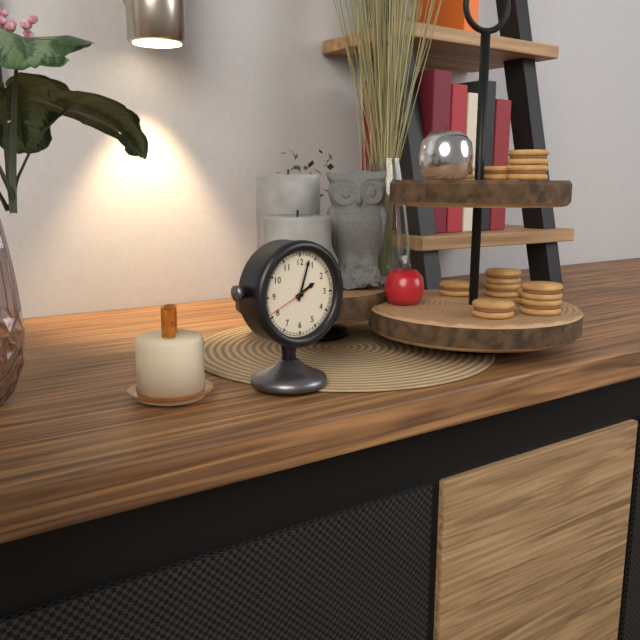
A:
h=2 m=3
